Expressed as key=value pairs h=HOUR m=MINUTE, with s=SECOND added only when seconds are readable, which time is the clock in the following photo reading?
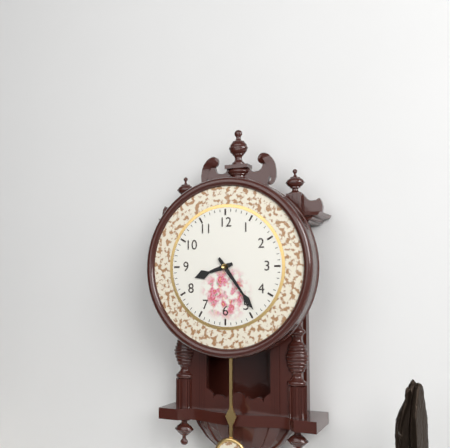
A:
h=8 m=24
